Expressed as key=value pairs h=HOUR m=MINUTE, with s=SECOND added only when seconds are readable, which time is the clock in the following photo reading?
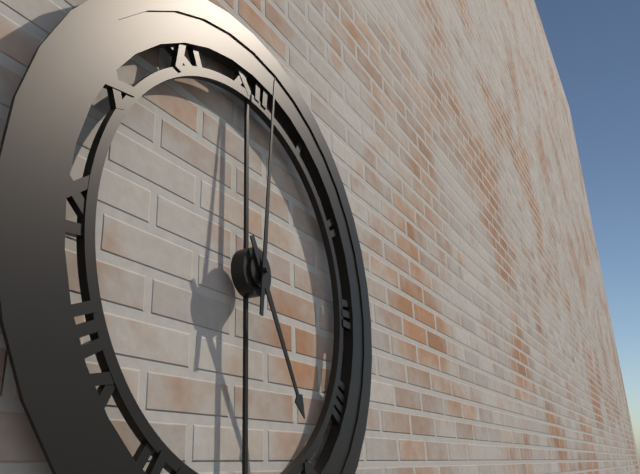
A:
h=5 m=1
